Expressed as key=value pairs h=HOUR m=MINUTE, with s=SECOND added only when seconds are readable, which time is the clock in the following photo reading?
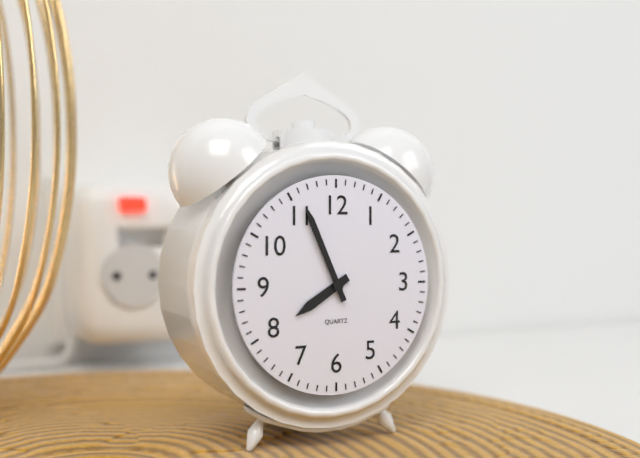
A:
h=7 m=56
